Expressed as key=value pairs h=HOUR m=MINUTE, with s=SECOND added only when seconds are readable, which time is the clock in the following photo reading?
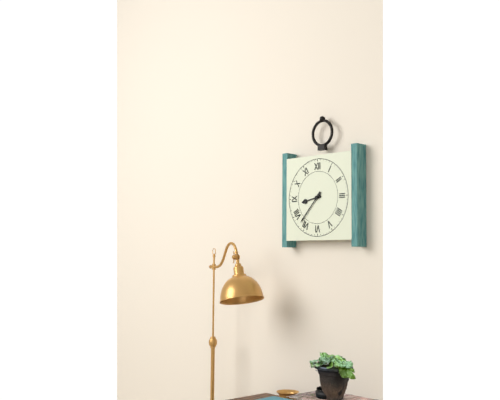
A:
h=8 m=37
